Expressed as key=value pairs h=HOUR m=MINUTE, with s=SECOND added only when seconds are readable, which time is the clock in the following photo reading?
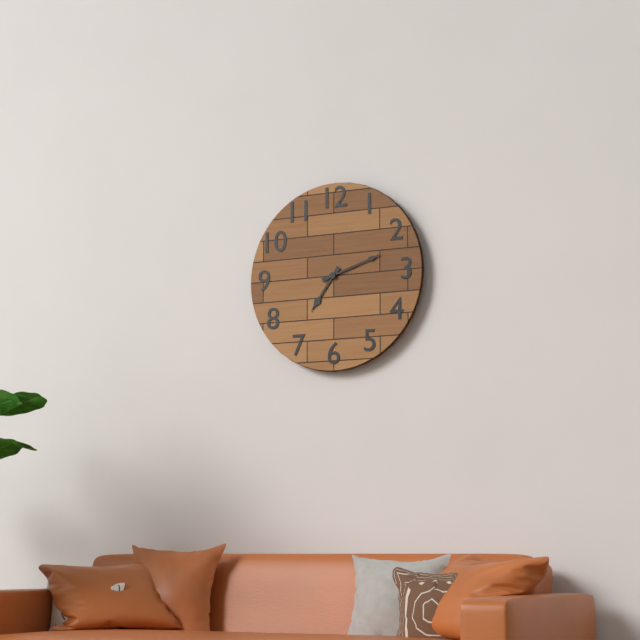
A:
h=7 m=12
